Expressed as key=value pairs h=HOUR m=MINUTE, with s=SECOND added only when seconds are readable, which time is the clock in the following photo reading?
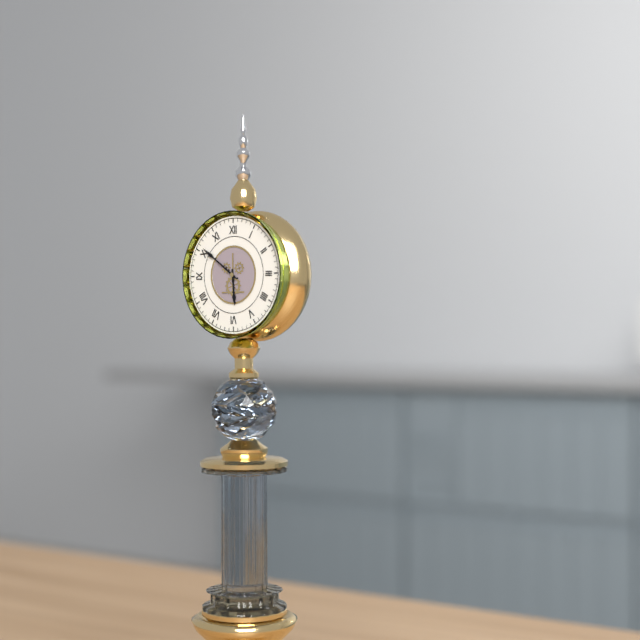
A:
h=5 m=51
